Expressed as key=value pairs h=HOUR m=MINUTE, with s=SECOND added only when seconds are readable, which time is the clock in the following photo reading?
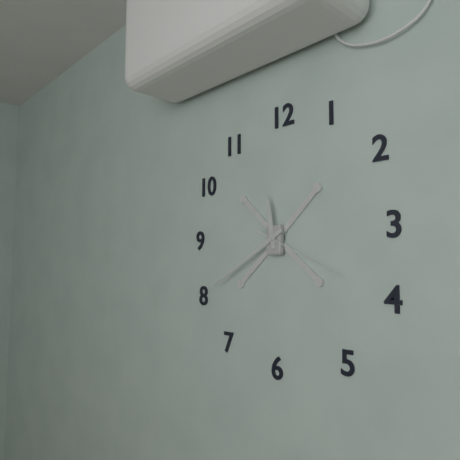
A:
h=11 m=40 s=19
